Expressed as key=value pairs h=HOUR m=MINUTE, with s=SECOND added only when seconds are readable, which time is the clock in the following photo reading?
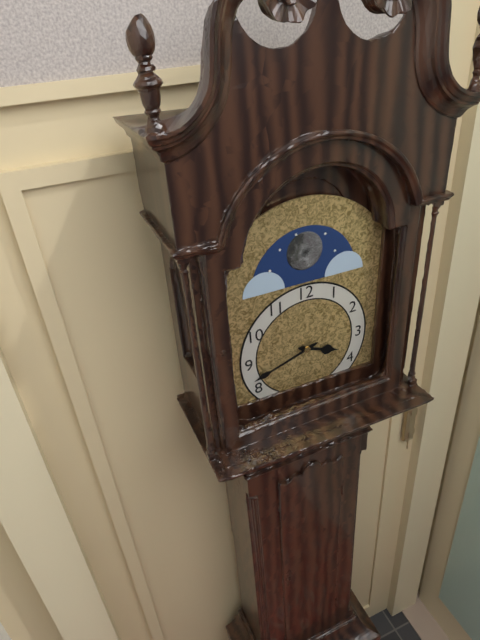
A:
h=3 m=42
